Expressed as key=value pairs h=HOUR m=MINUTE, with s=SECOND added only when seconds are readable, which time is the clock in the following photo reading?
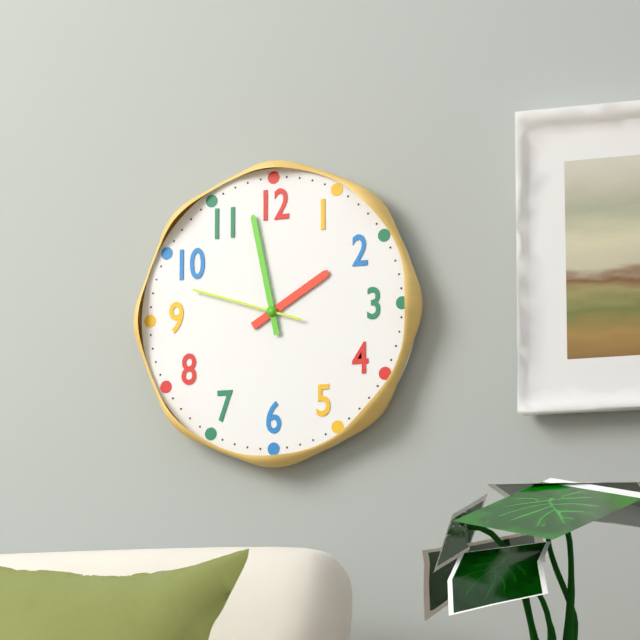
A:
h=1 m=58 s=48
